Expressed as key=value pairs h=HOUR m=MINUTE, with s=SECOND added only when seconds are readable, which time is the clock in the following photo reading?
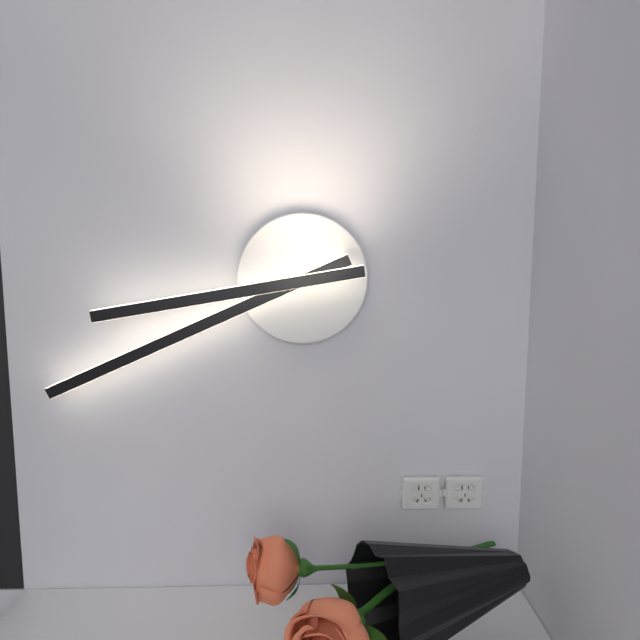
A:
h=8 m=41
